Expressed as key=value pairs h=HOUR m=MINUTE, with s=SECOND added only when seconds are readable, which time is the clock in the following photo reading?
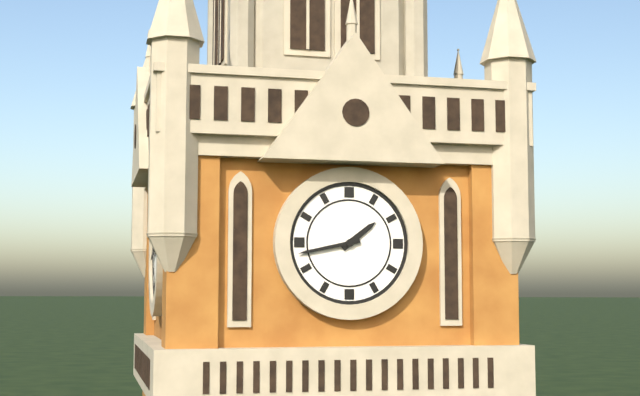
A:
h=1 m=43
